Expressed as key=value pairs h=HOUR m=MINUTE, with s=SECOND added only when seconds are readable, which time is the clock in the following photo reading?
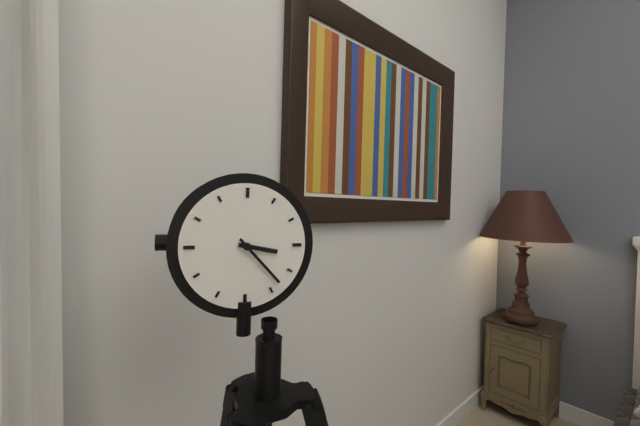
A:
h=3 m=23
